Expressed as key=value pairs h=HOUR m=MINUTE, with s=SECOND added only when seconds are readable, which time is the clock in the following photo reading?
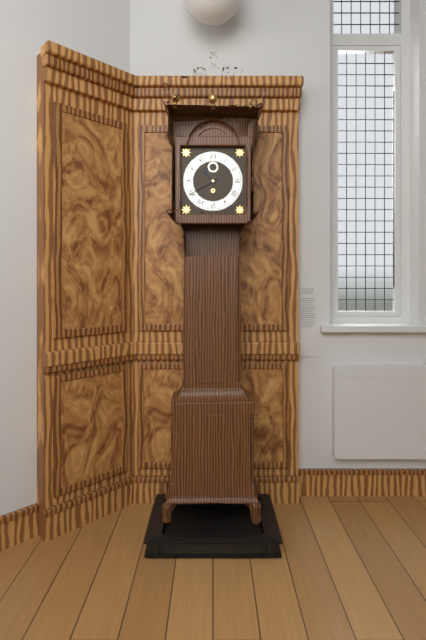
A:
h=10 m=40
